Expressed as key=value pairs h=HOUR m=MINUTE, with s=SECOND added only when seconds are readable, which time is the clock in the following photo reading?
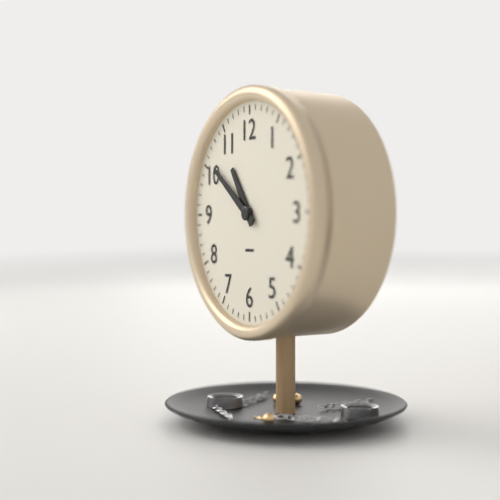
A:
h=10 m=51
